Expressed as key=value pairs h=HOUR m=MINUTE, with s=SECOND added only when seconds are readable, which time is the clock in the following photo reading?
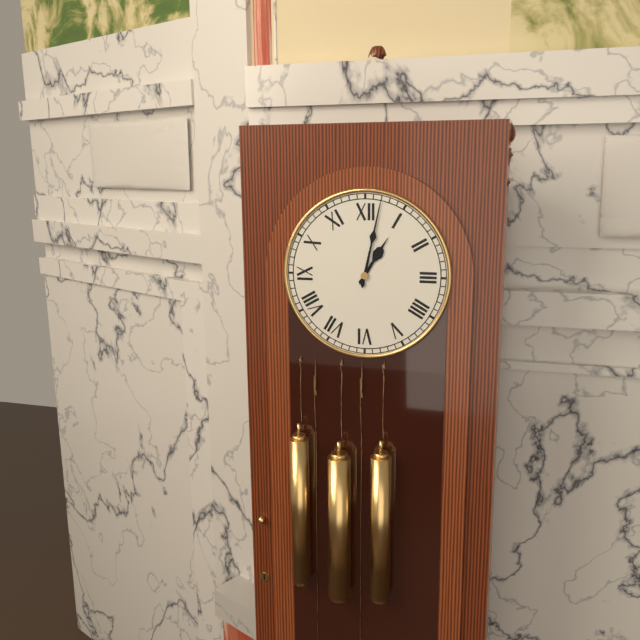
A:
h=1 m=2
